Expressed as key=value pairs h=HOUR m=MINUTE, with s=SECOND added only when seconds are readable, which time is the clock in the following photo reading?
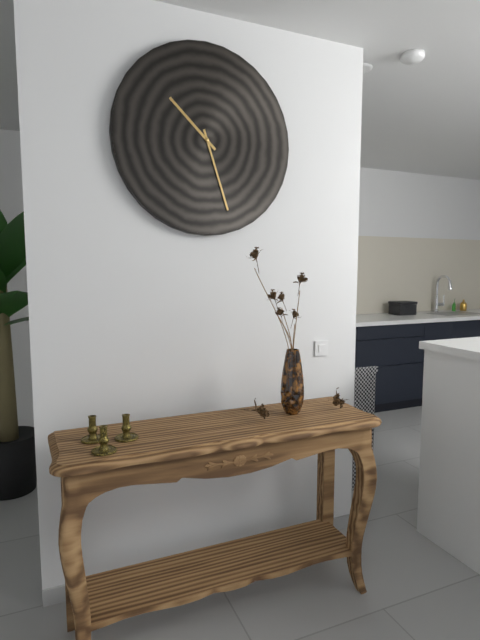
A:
h=10 m=27
